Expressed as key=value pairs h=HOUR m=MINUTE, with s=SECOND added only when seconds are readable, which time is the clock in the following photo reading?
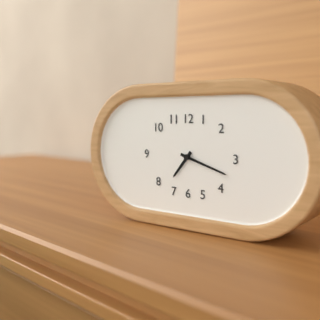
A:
h=7 m=18
